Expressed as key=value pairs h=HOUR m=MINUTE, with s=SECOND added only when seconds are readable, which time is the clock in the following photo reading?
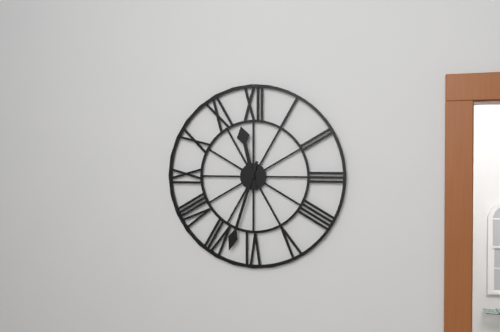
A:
h=11 m=33
